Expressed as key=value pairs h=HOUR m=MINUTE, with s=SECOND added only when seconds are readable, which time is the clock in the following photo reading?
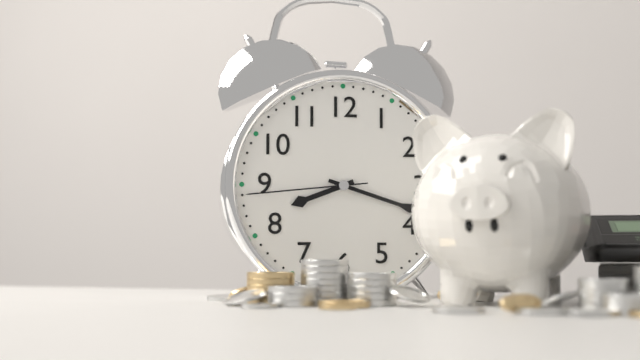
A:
h=8 m=18 s=44
